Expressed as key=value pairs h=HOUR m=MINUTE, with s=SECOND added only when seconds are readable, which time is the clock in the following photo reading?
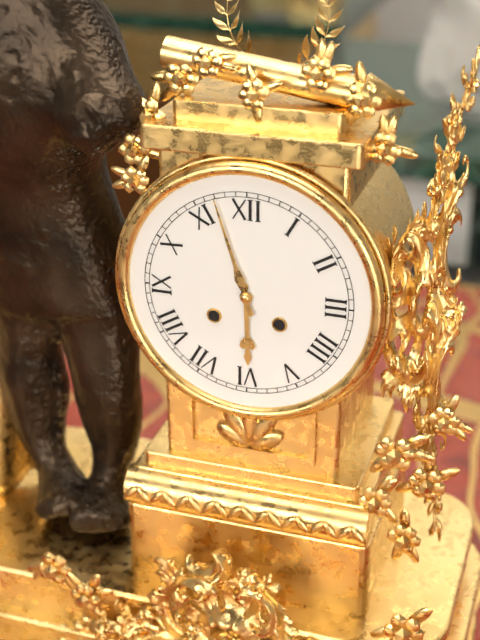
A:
h=5 m=57
